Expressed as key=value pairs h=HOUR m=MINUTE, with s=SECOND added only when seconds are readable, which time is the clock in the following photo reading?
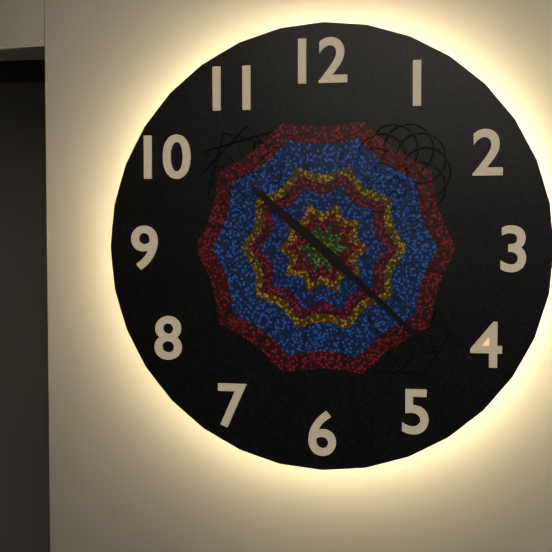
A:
h=10 m=22
